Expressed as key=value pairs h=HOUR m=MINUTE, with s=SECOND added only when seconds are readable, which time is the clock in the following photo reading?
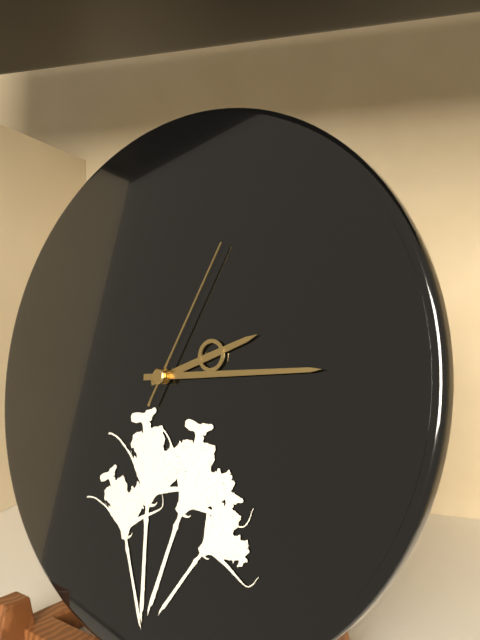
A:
h=2 m=14 s=4
